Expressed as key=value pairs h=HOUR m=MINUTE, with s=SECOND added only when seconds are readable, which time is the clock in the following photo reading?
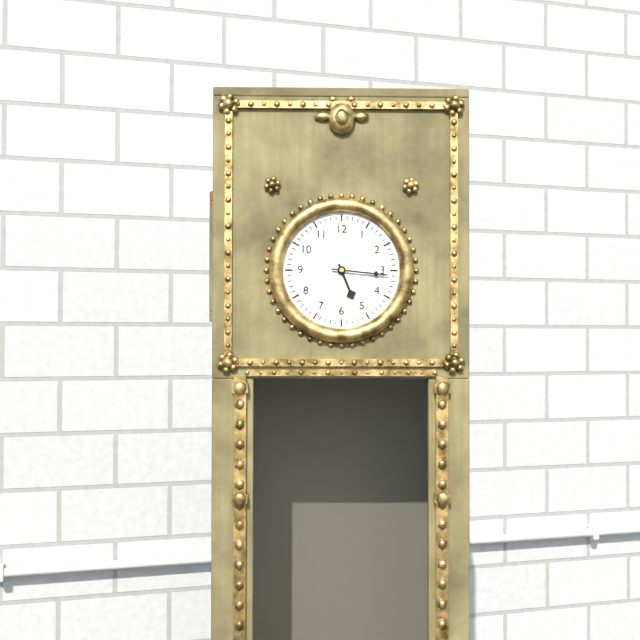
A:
h=5 m=16
